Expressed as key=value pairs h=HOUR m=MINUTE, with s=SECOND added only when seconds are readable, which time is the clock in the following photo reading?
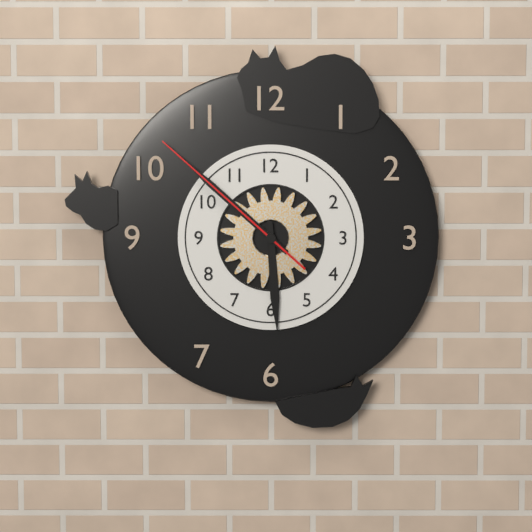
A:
h=5 m=52 s=52
